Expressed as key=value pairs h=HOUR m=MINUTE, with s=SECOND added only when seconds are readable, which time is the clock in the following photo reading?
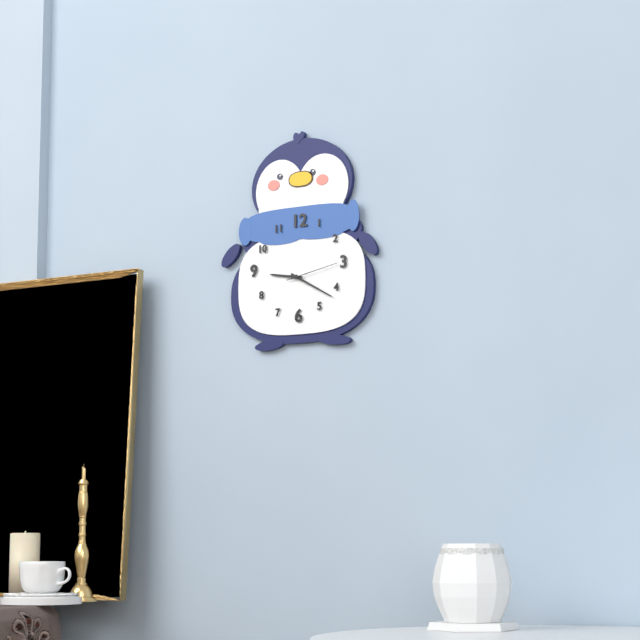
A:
h=9 m=20 s=13
